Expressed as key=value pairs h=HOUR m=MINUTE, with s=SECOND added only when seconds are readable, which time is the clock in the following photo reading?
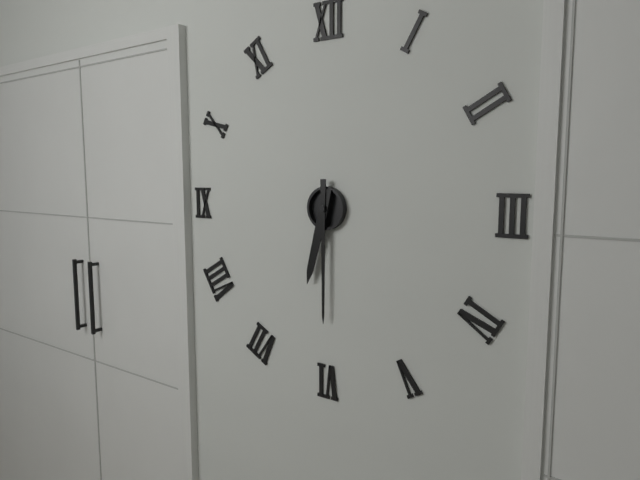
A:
h=6 m=30
